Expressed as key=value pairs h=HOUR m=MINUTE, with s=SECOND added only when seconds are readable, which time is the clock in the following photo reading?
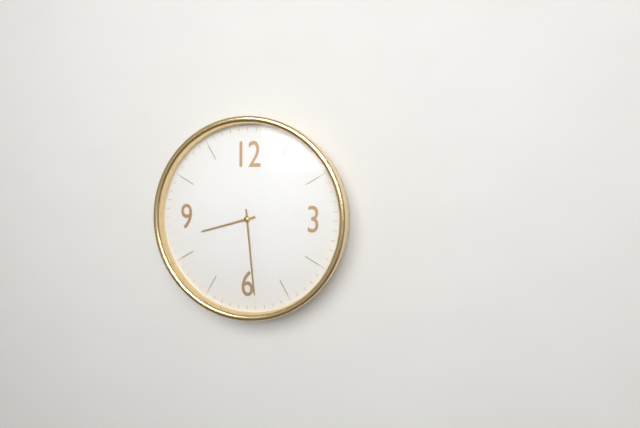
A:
h=8 m=29
